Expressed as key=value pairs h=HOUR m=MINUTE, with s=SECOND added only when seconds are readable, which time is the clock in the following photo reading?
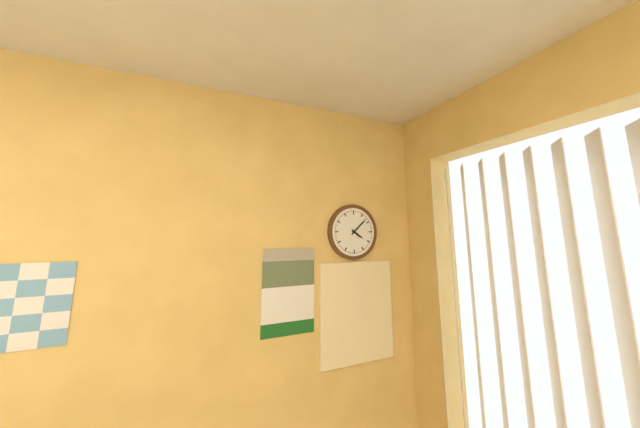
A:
h=4 m=8
